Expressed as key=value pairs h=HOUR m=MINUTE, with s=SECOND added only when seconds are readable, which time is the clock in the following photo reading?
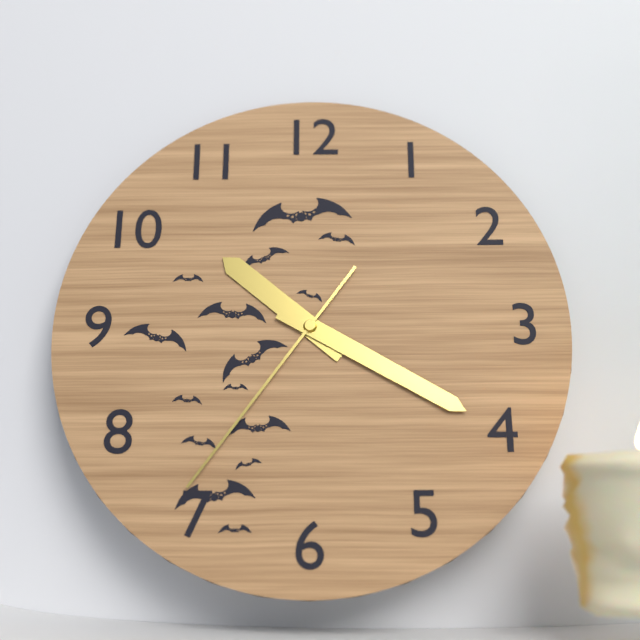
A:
h=10 m=20 s=36
